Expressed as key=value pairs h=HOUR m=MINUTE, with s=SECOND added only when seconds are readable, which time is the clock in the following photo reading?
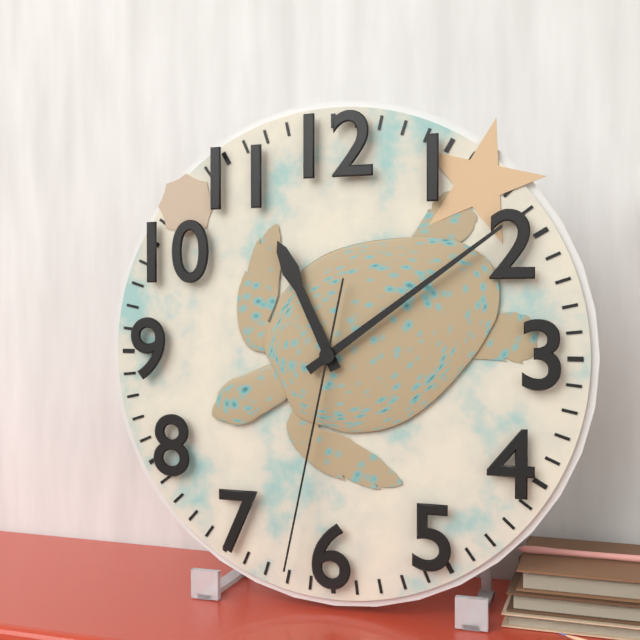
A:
h=11 m=9 s=32
